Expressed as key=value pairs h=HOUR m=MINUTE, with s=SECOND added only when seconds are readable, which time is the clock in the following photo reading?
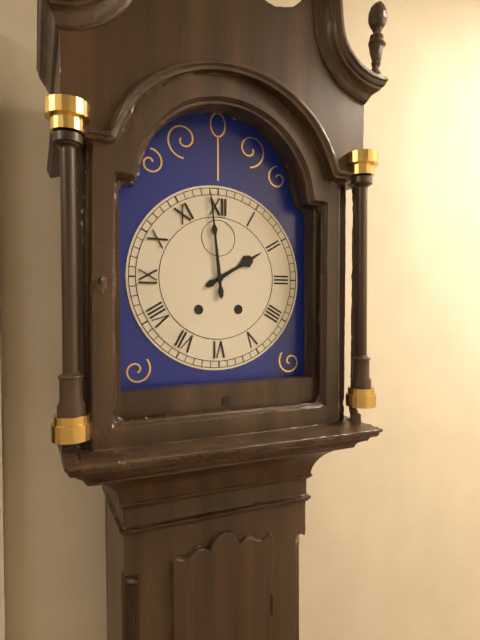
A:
h=1 m=59
